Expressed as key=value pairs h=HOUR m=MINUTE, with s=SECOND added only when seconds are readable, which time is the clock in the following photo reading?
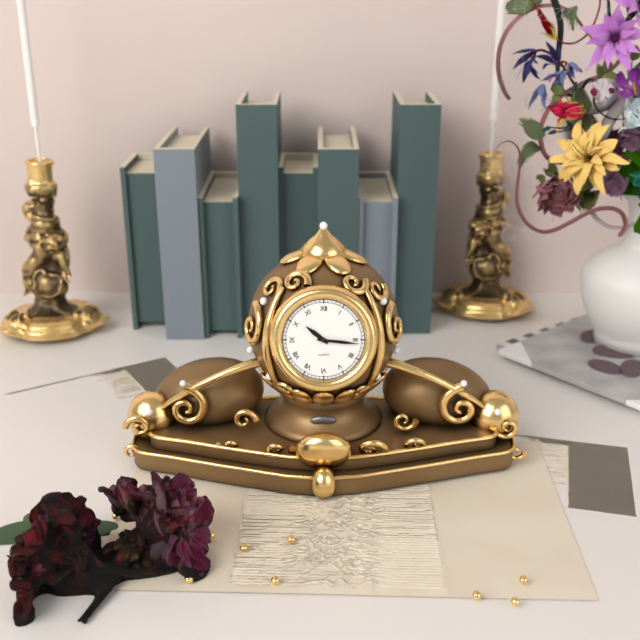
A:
h=10 m=16
